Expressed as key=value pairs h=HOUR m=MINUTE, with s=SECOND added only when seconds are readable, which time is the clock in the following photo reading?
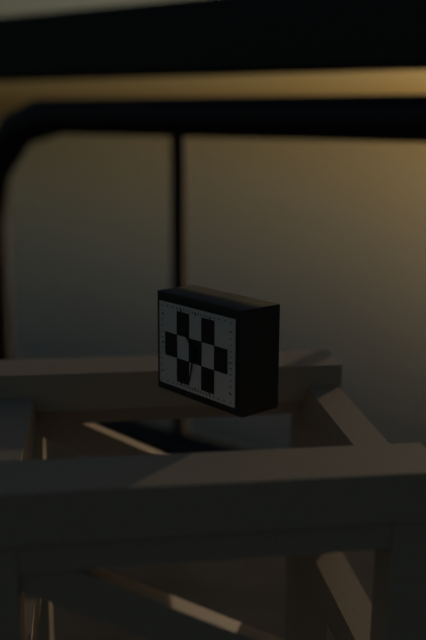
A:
h=10 m=32
